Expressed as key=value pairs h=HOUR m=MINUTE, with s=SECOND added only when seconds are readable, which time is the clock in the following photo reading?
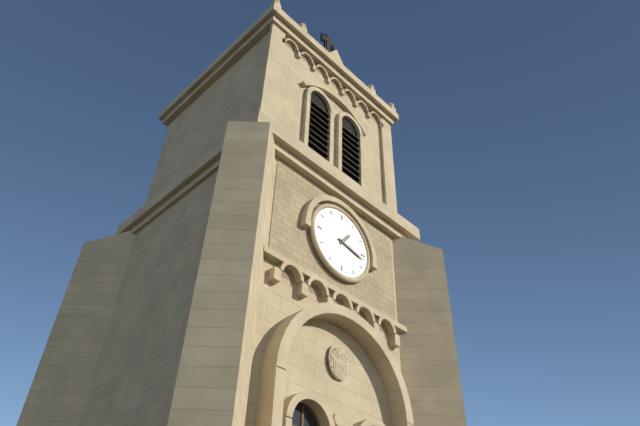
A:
h=1 m=17
